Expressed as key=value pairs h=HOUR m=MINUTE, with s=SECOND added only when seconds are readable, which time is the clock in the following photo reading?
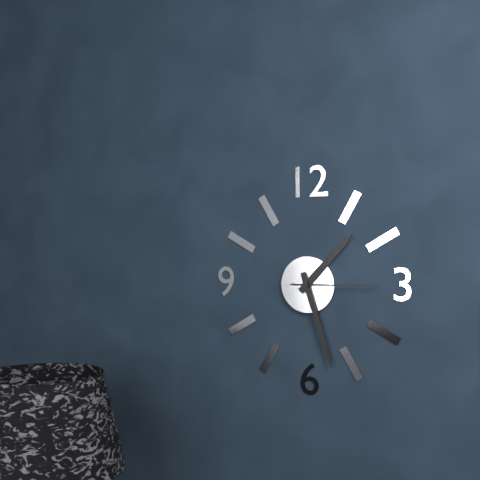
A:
h=1 m=27 s=15
